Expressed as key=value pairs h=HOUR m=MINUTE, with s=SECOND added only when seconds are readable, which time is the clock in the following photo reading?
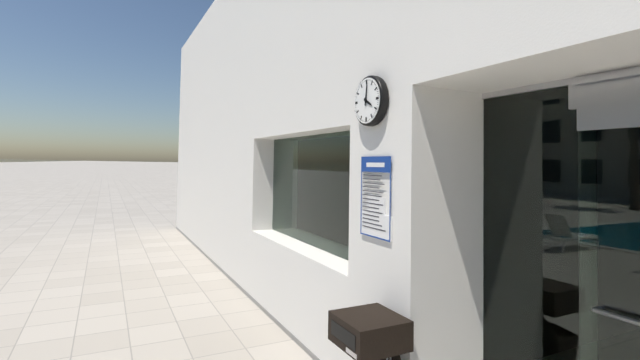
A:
h=4 m=1
